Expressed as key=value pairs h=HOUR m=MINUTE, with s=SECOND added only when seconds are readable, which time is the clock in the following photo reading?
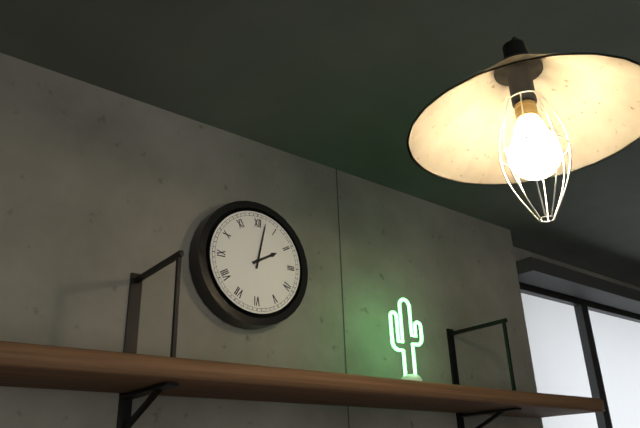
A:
h=2 m=2
